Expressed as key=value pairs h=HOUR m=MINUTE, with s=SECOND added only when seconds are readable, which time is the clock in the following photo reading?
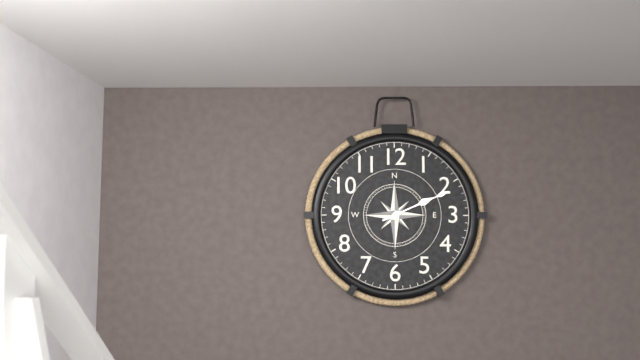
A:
h=2 m=11
